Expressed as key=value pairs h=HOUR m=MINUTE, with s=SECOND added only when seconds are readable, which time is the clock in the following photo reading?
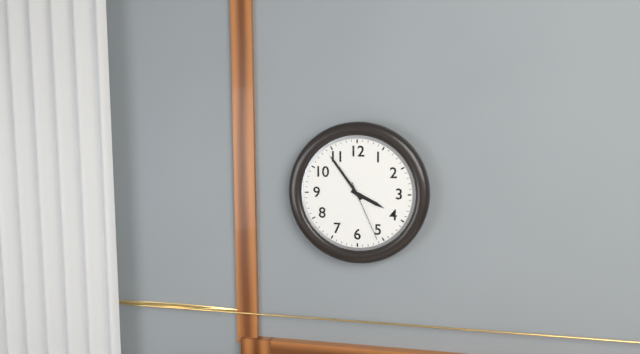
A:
h=3 m=54 s=26
